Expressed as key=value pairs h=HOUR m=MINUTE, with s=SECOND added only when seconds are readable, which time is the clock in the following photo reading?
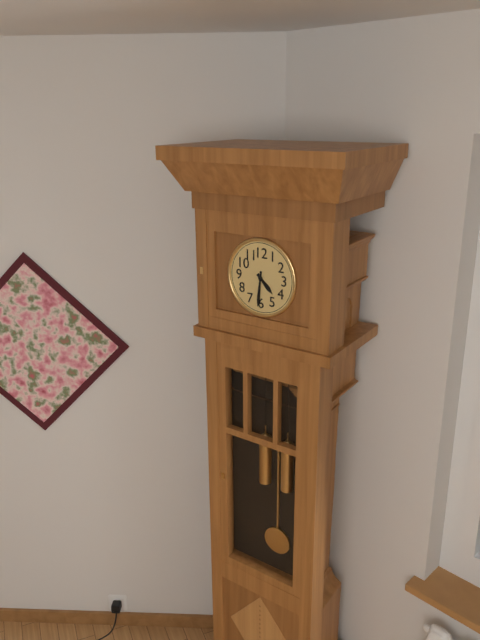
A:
h=4 m=31
